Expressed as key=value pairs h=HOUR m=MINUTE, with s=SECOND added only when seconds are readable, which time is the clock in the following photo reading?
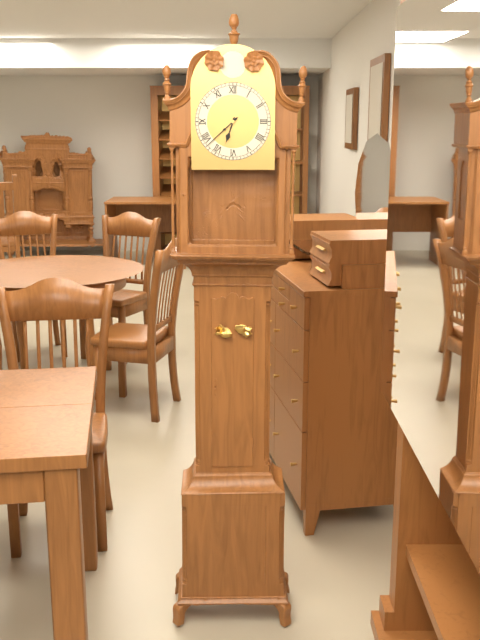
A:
h=6 m=38
